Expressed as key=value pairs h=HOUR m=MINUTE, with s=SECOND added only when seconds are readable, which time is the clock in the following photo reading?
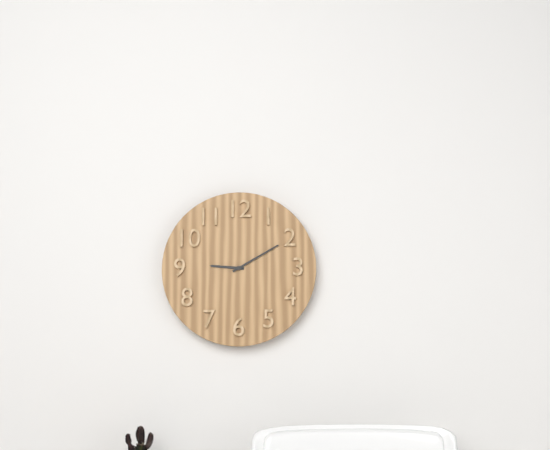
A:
h=9 m=10
